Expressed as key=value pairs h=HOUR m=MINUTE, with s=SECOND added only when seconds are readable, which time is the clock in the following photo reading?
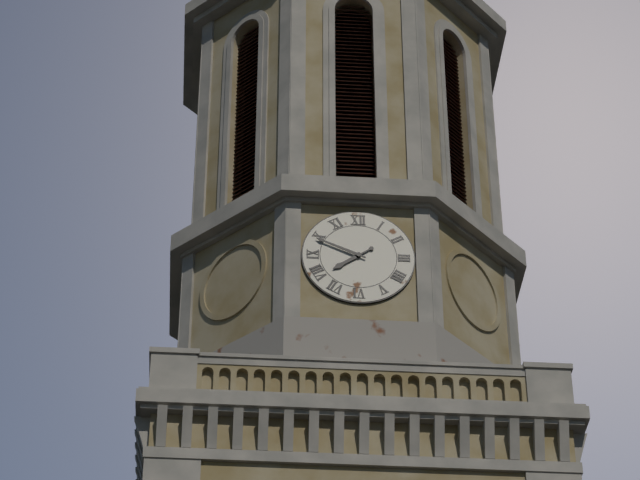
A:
h=7 m=49
